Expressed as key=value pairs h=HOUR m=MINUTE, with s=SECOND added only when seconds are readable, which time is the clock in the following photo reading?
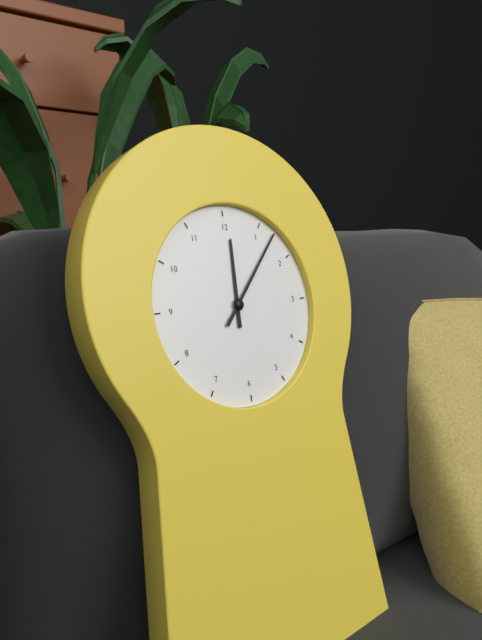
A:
h=12 m=7
